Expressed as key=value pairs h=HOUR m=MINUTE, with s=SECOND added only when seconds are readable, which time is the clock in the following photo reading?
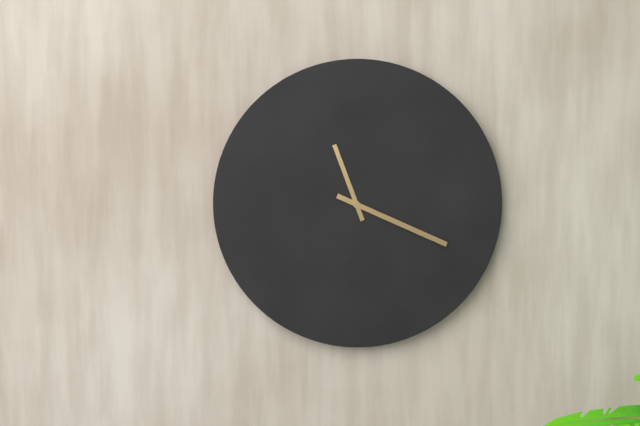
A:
h=11 m=19
